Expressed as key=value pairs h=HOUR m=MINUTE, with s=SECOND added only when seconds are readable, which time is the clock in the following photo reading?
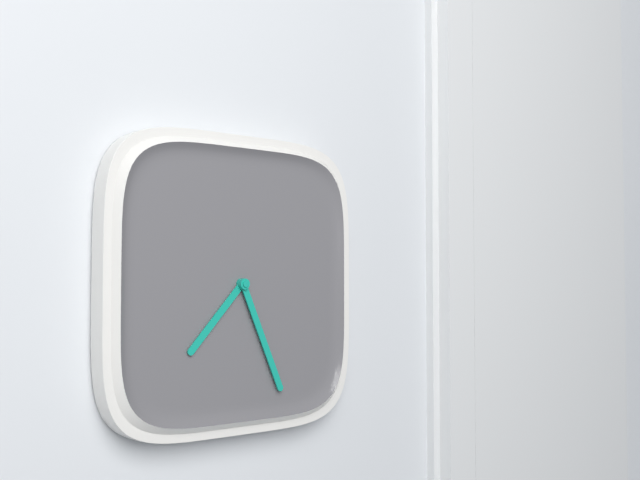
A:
h=7 m=26
